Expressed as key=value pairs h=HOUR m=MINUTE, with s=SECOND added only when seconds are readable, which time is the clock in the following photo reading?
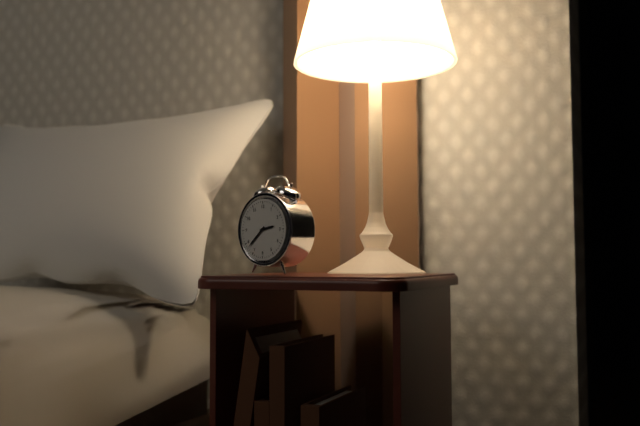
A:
h=2 m=38
